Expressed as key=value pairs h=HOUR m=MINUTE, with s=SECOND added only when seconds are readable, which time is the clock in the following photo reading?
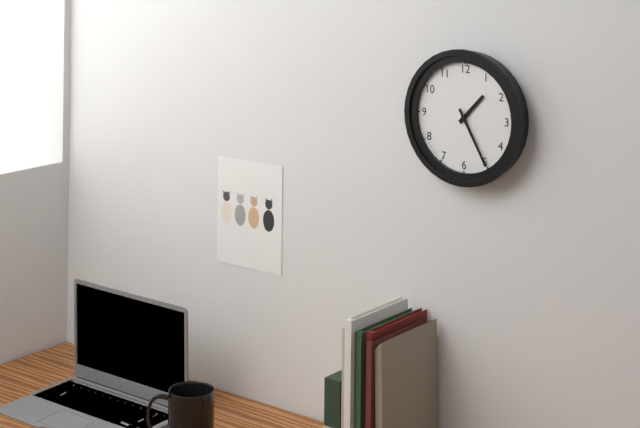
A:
h=1 m=25
